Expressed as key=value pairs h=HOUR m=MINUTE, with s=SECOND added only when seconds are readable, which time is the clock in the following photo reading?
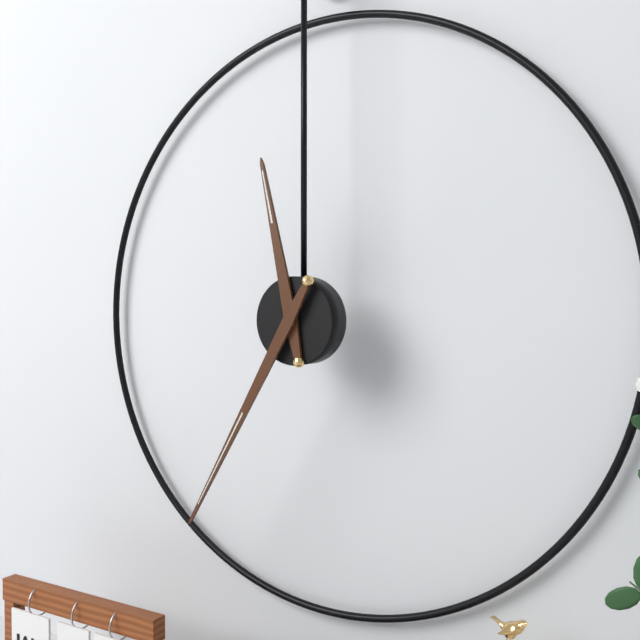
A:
h=11 m=35
